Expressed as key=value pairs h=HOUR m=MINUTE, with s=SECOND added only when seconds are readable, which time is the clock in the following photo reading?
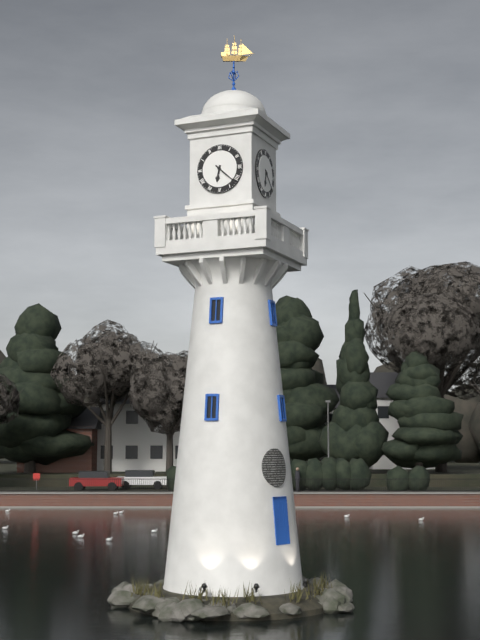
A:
h=6 m=22
